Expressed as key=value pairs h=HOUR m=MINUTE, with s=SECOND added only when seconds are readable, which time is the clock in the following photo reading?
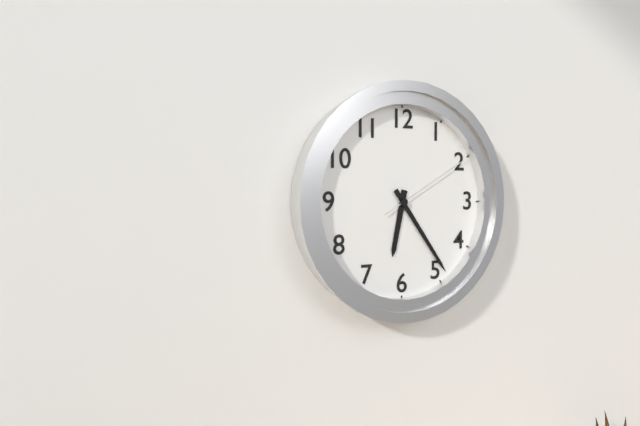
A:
h=6 m=24 s=10
